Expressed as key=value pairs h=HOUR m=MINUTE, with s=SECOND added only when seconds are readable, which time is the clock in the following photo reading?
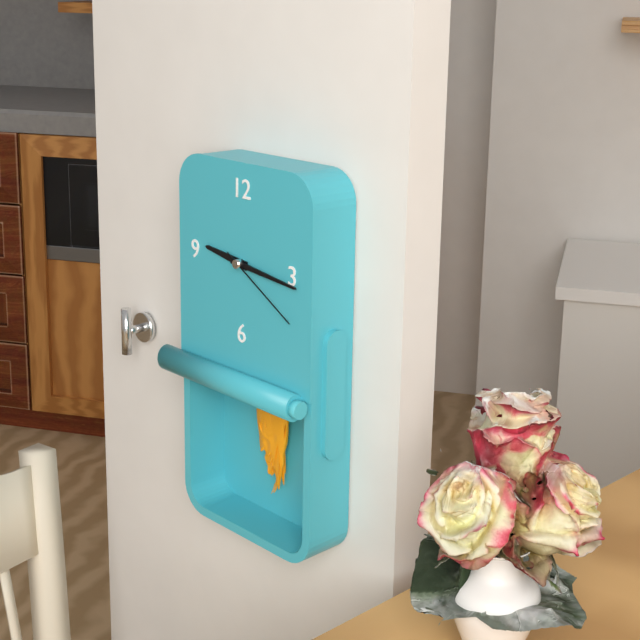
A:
h=9 m=16 s=20
